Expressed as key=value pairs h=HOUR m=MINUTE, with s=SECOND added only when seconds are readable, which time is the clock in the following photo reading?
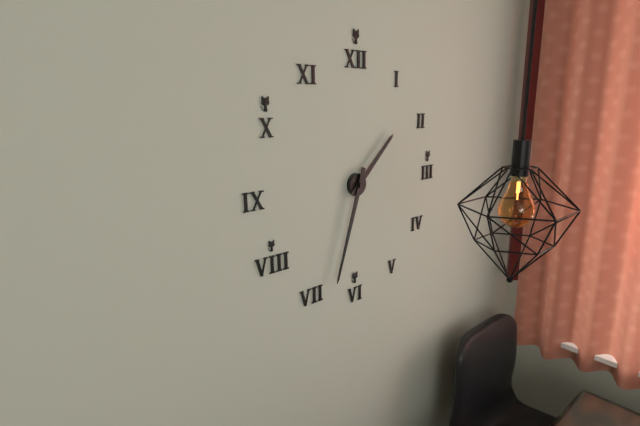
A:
h=1 m=33
